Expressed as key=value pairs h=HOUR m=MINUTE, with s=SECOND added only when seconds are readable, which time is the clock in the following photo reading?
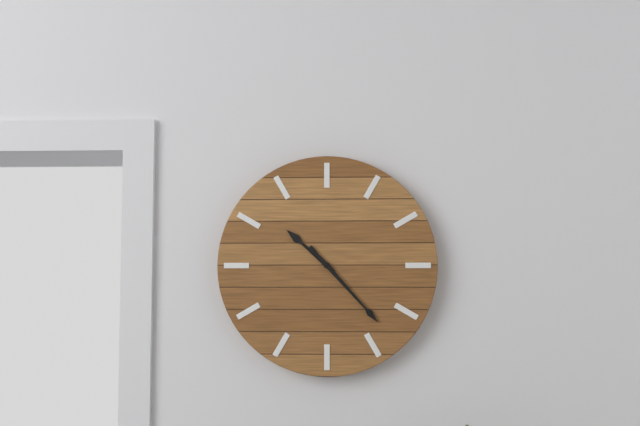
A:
h=10 m=23
